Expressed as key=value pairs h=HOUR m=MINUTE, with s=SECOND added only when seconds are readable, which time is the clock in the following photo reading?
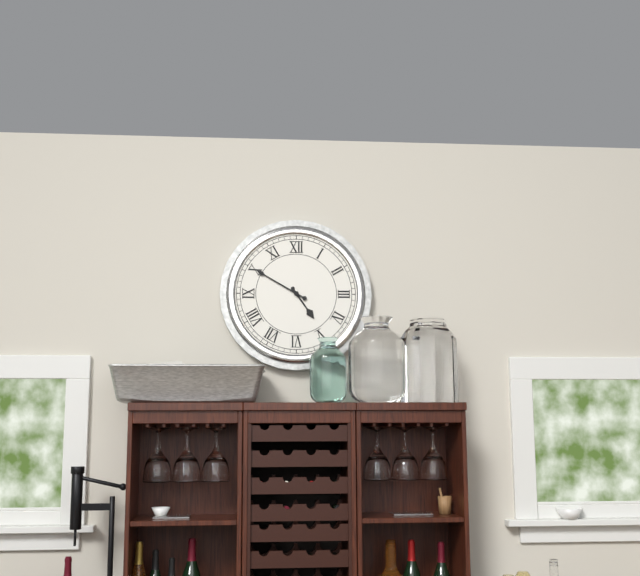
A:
h=4 m=50
